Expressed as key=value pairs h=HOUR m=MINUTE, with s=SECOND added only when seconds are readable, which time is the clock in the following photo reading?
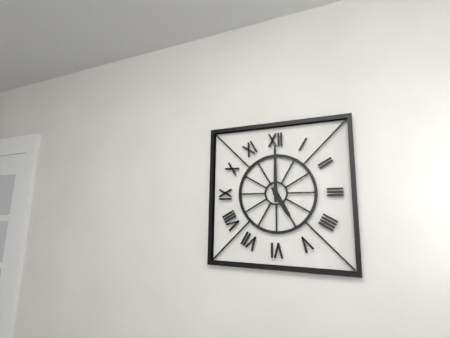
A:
h=5 m=0
